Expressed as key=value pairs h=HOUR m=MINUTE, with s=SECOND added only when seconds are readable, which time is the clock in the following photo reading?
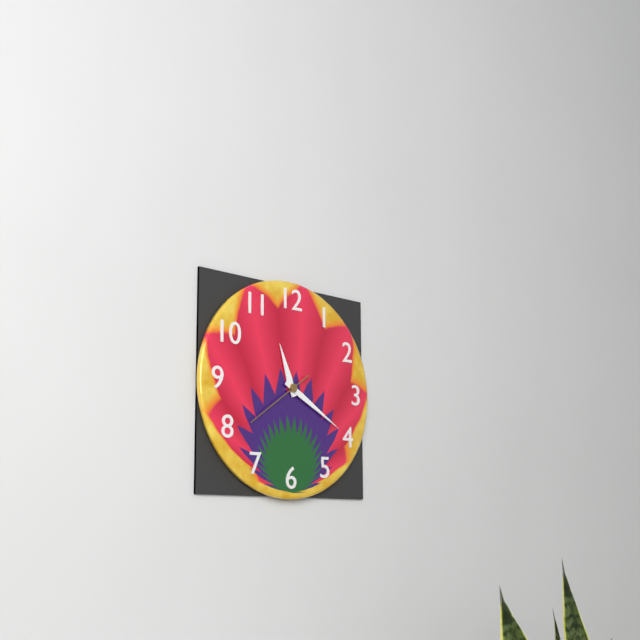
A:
h=11 m=20 s=39
